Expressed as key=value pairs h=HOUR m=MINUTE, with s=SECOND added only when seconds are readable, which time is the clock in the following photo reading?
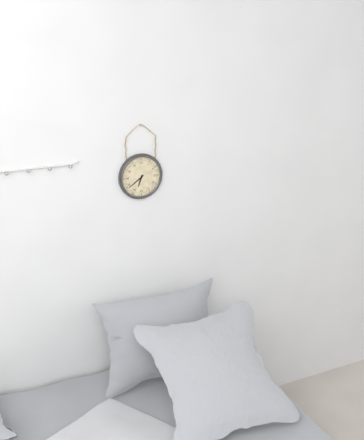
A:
h=6 m=39
